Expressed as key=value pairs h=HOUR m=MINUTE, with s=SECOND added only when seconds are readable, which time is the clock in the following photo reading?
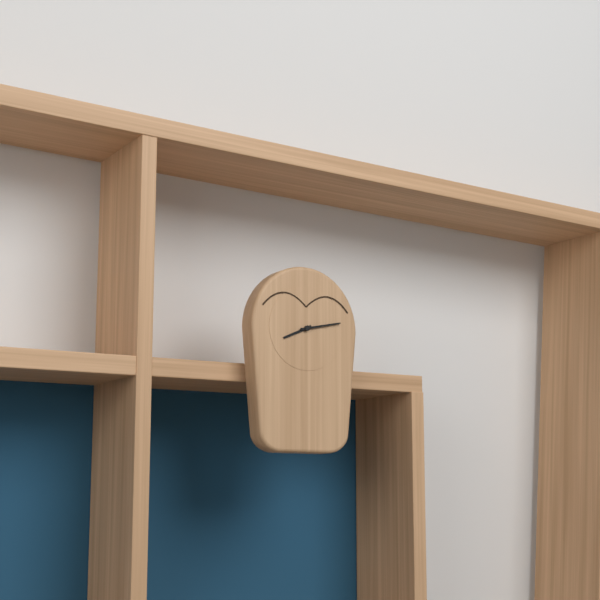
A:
h=8 m=13
